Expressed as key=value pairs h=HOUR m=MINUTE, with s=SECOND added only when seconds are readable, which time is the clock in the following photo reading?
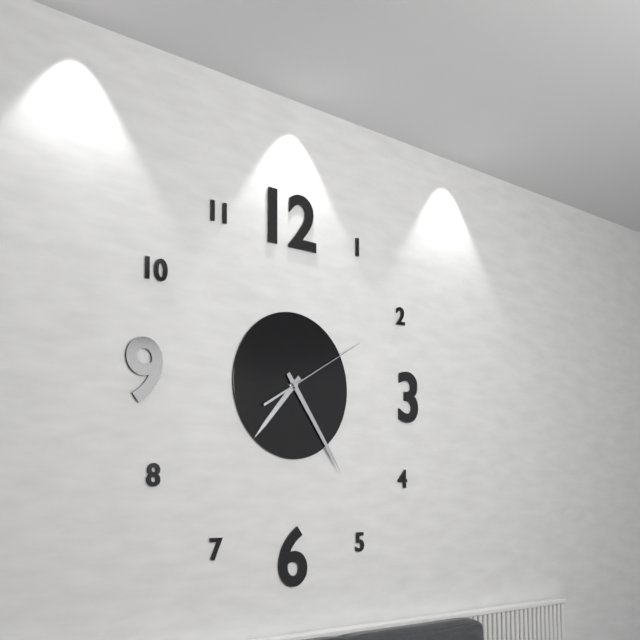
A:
h=7 m=24 s=10
